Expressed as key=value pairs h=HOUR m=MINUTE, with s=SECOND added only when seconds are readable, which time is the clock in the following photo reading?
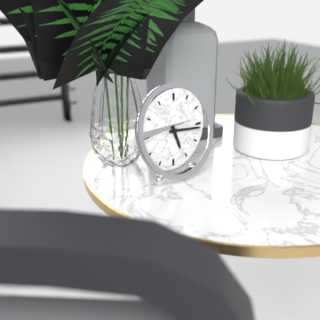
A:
h=5 m=16
